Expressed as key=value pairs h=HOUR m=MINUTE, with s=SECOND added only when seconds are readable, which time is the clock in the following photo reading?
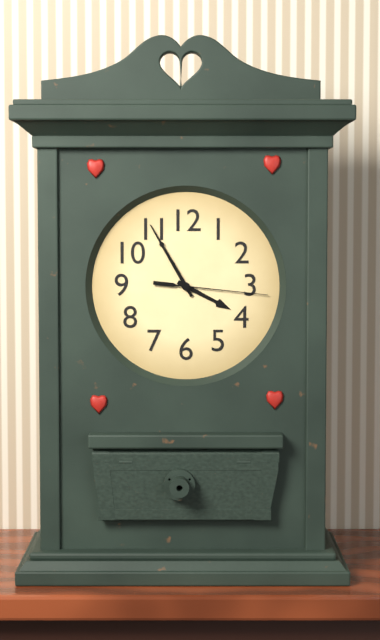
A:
h=3 m=55 s=16
